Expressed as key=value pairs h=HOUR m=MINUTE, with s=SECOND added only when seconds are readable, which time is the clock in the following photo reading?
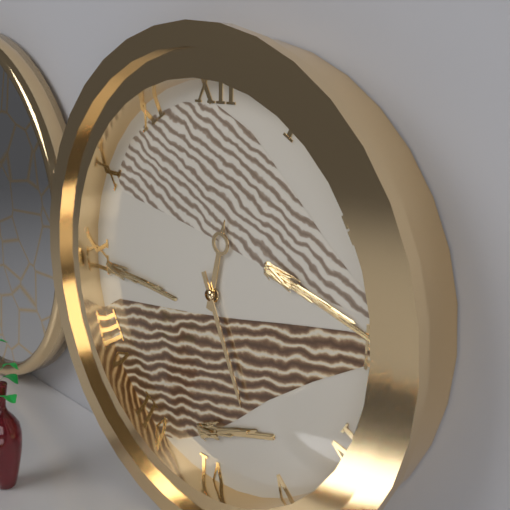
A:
h=12 m=26
